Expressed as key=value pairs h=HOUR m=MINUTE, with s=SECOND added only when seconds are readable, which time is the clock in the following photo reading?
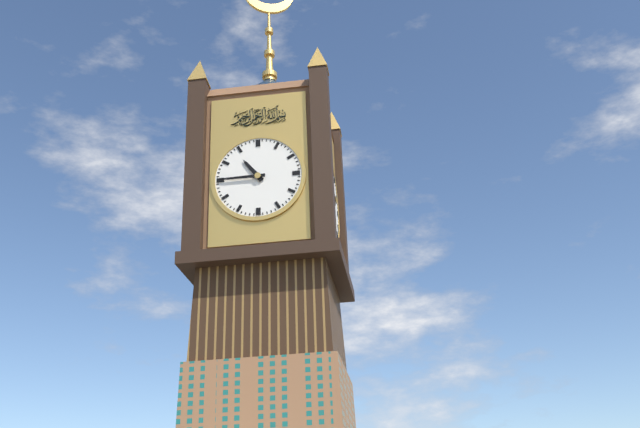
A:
h=10 m=45
